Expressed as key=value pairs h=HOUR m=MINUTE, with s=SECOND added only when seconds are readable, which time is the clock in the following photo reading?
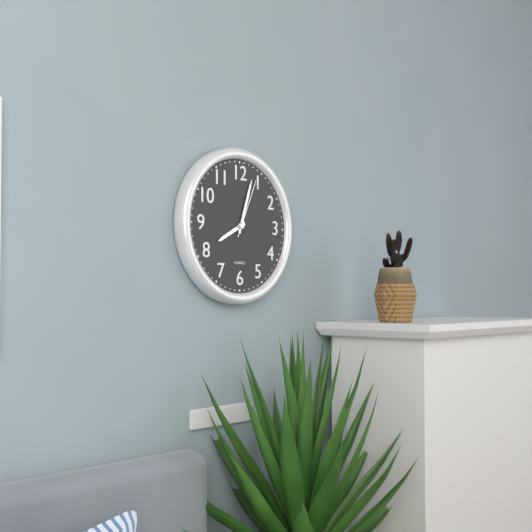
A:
h=8 m=3 s=4
